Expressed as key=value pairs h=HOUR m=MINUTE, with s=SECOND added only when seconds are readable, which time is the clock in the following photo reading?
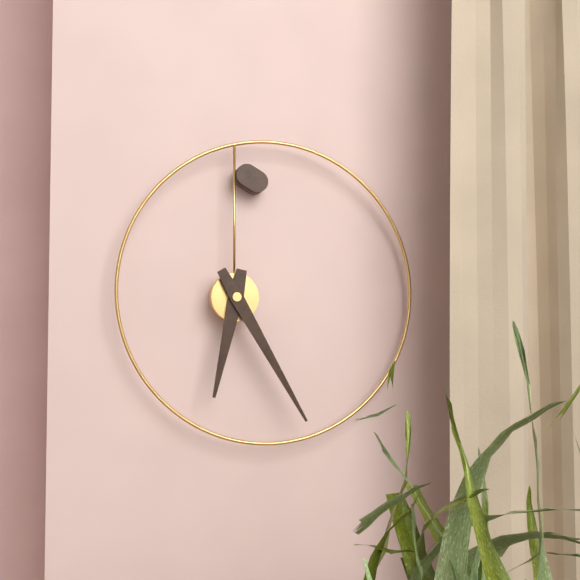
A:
h=6 m=25
